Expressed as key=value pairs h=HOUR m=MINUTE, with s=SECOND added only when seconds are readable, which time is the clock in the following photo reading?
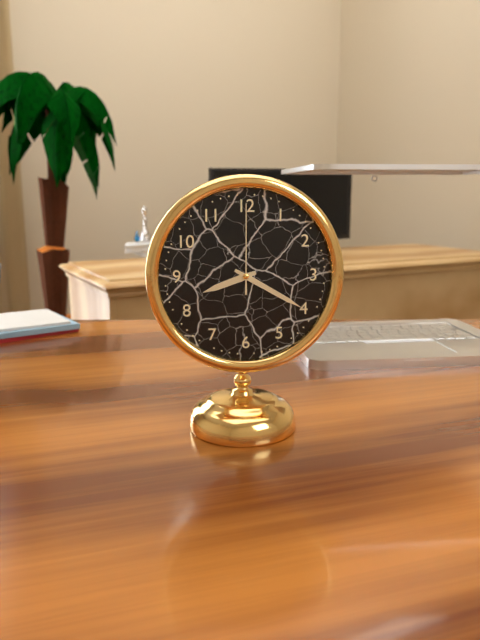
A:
h=8 m=20 s=0
